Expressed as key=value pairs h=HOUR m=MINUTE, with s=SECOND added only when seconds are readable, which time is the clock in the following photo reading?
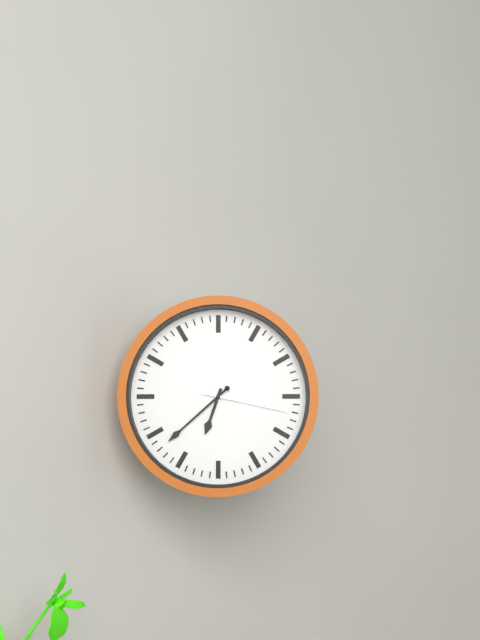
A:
h=6 m=38 s=17
